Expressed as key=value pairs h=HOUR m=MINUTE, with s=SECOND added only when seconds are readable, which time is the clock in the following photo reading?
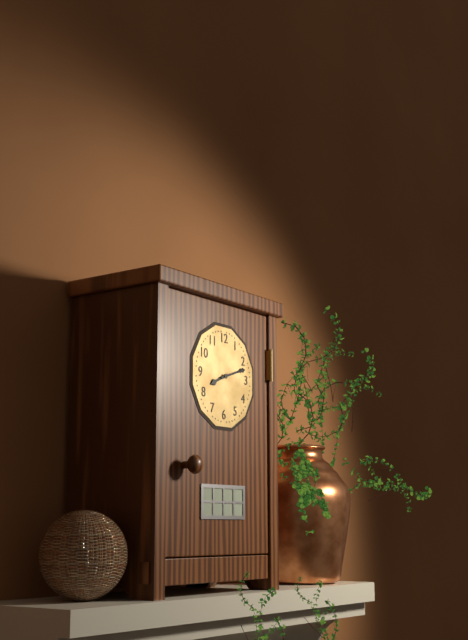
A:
h=8 m=12
